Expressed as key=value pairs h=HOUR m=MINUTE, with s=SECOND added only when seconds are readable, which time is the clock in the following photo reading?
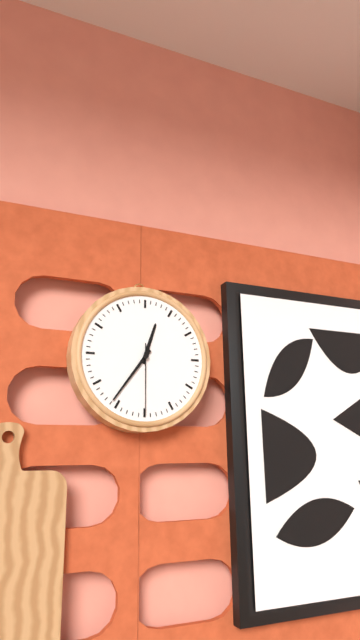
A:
h=12 m=36 s=30
